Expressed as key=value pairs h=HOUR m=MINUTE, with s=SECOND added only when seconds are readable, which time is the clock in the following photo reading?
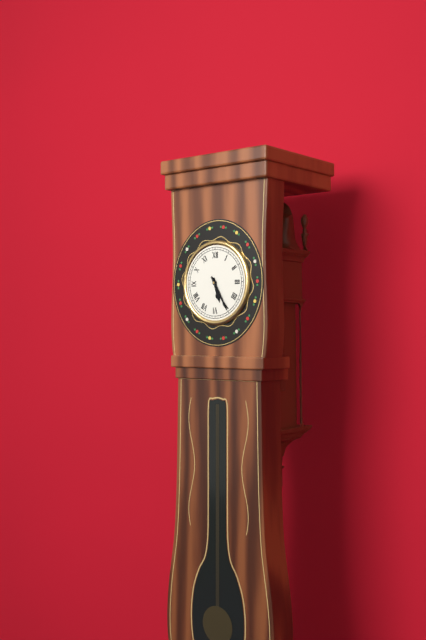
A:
h=5 m=25
